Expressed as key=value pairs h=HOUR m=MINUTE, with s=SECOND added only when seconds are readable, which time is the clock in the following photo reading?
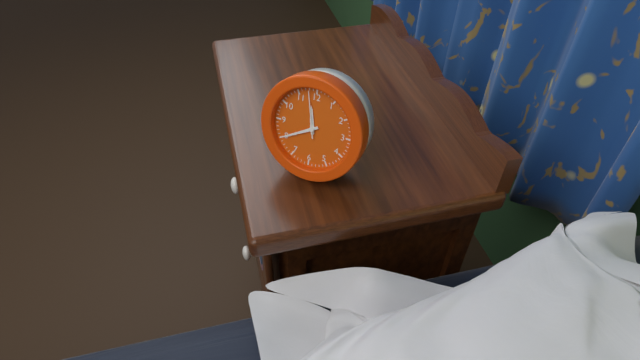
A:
h=11 m=40
